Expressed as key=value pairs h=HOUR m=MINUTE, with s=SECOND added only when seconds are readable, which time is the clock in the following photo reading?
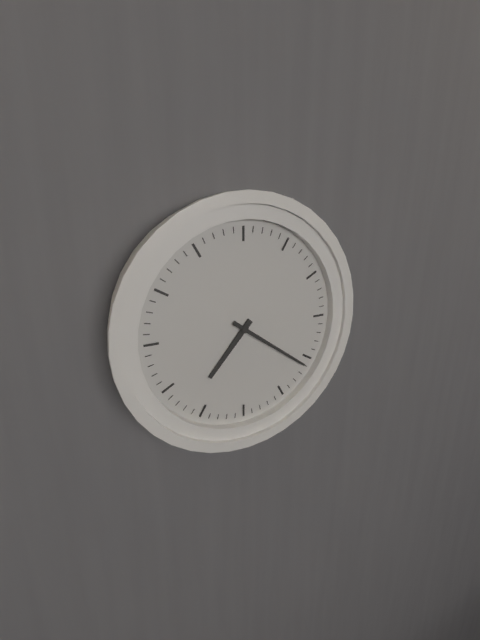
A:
h=7 m=21
